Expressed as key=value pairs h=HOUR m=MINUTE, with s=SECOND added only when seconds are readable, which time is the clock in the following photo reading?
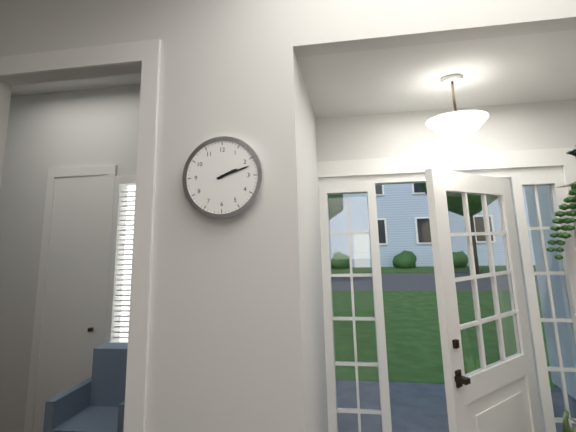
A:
h=2 m=12
